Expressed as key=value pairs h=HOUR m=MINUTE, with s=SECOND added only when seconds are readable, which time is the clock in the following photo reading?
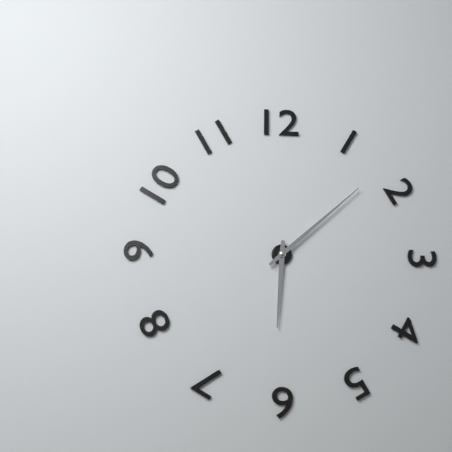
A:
h=6 m=8
